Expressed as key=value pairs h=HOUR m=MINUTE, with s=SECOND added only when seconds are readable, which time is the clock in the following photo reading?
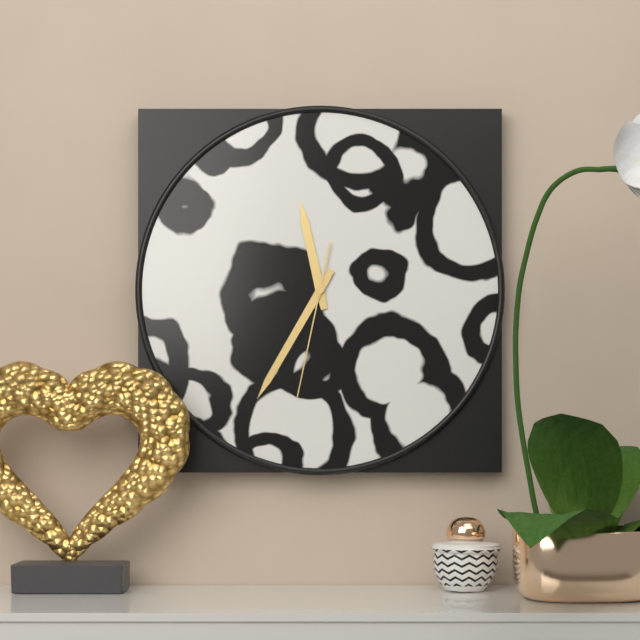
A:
h=11 m=35 s=32
